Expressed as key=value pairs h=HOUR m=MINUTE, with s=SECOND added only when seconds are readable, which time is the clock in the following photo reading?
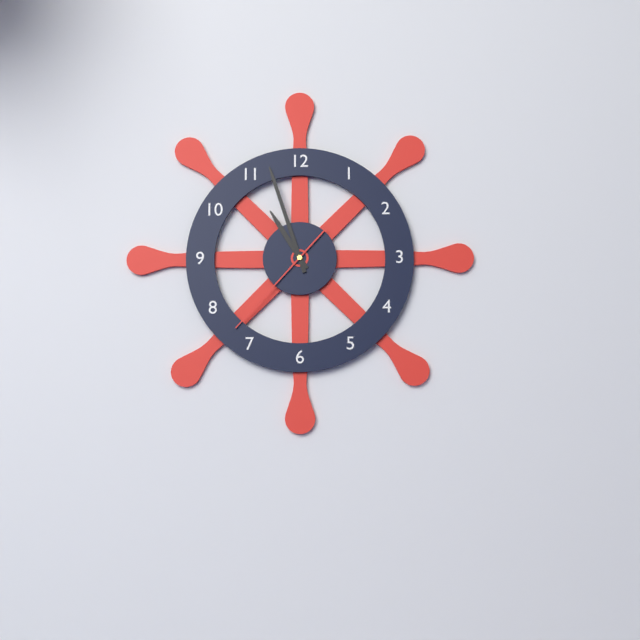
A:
h=10 m=57 s=37
